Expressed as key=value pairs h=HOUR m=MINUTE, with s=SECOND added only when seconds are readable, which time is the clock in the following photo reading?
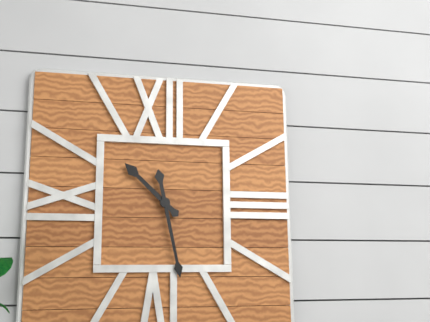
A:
h=10 m=28
